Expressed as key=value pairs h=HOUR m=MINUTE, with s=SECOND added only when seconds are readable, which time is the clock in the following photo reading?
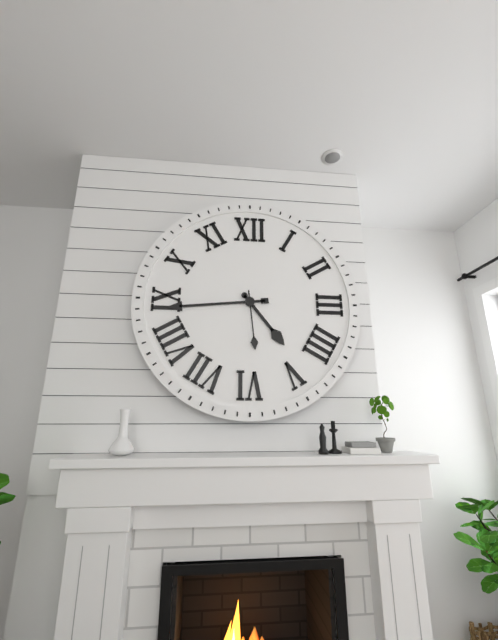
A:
h=4 m=44 s=29
